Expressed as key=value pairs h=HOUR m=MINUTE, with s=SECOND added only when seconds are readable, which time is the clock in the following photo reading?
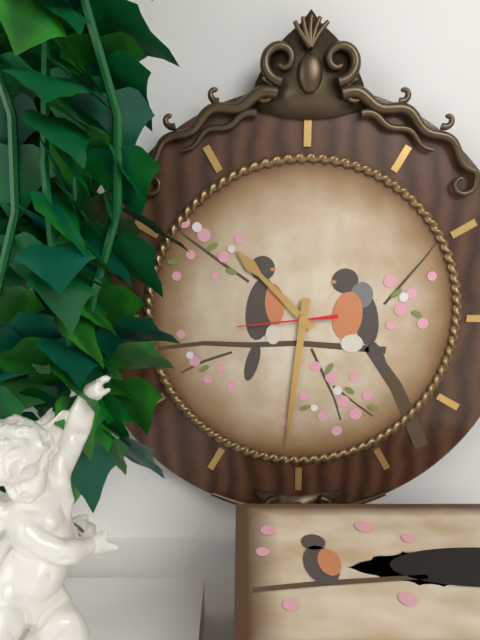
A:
h=10 m=31 s=44
